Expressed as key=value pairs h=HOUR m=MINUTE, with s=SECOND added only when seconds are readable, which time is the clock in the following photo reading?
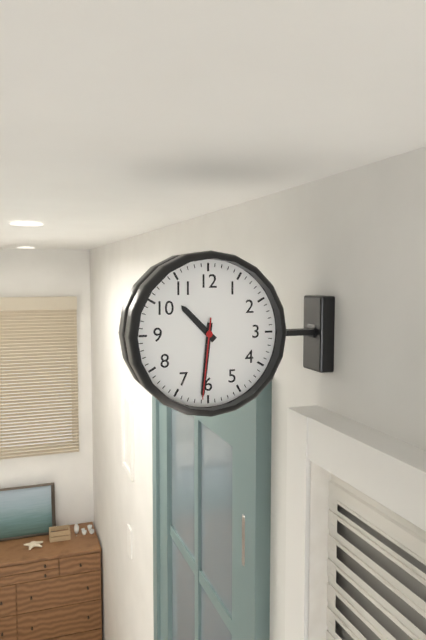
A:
h=10 m=31 s=31
